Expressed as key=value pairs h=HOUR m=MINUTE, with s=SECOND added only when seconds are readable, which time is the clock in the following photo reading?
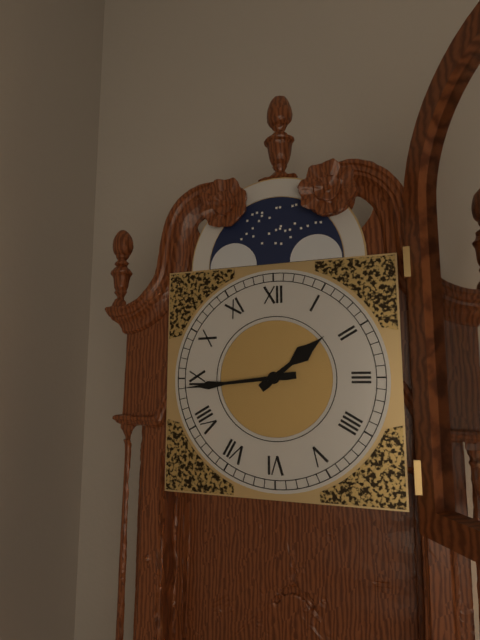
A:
h=1 m=44
